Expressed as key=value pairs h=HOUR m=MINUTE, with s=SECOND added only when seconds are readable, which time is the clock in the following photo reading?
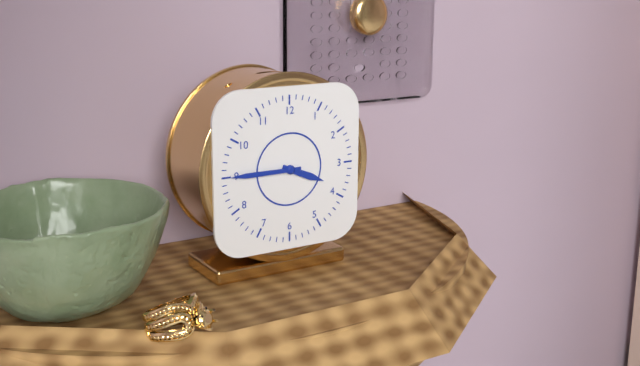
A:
h=3 m=45
